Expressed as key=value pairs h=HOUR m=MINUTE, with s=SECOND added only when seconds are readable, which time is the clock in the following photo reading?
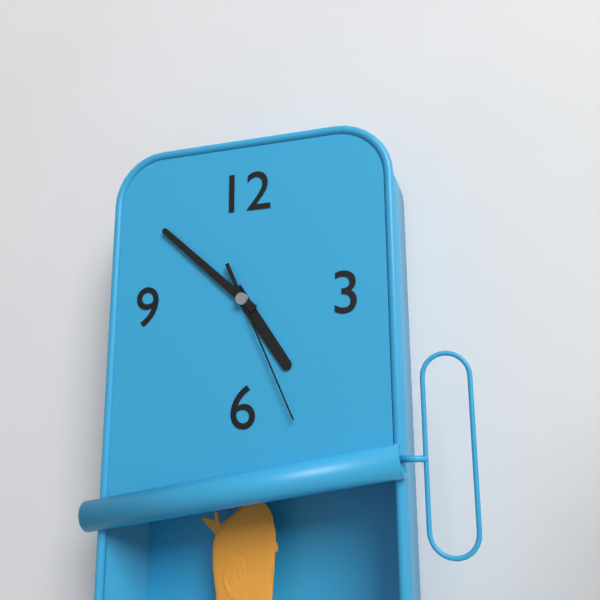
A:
h=4 m=52 s=26
